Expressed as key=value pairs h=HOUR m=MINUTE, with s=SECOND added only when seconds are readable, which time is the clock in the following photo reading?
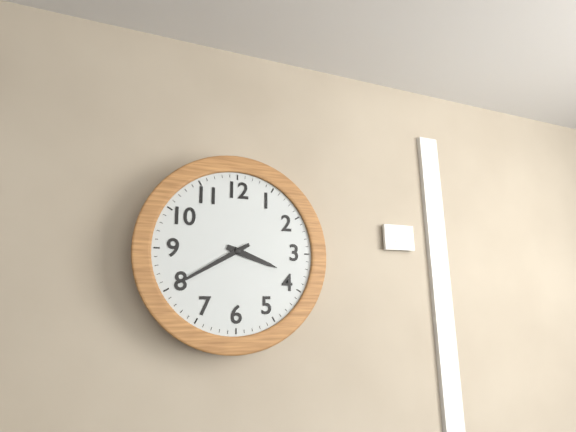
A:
h=3 m=40
